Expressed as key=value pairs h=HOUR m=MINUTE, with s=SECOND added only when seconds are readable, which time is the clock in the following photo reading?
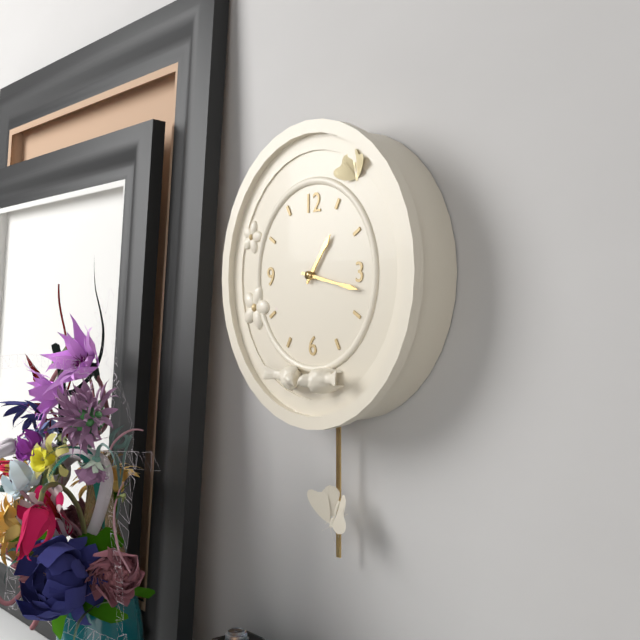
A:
h=1 m=17
